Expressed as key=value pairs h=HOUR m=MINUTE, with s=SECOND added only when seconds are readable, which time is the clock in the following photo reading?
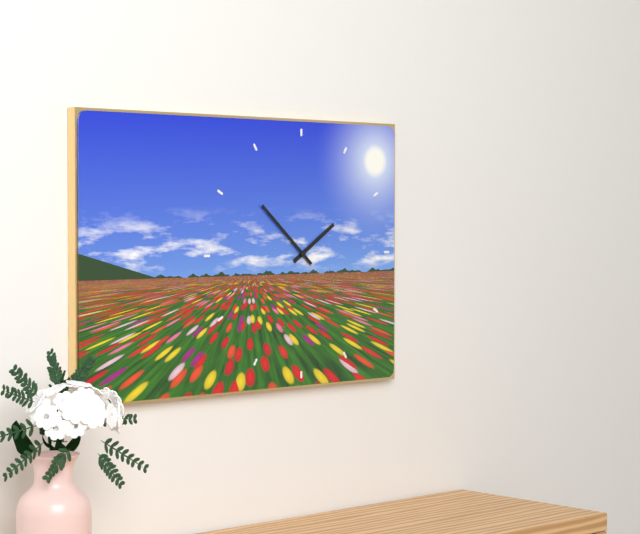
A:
h=1 m=52
